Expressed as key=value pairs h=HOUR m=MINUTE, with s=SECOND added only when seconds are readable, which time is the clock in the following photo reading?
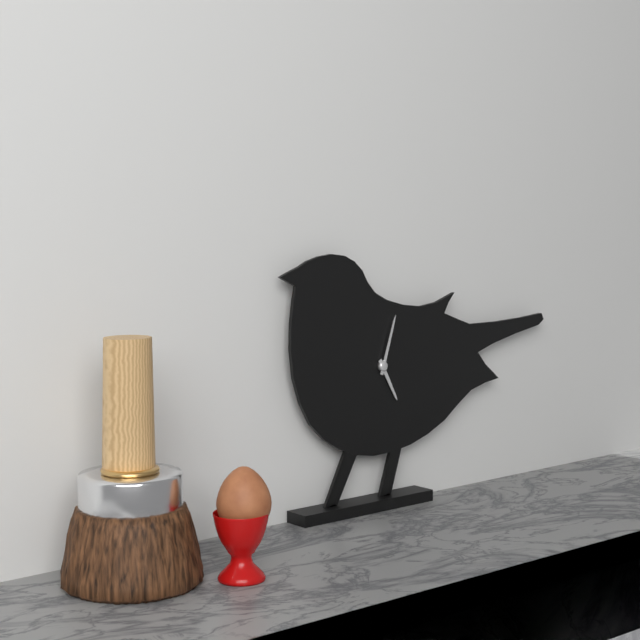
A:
h=5 m=3
